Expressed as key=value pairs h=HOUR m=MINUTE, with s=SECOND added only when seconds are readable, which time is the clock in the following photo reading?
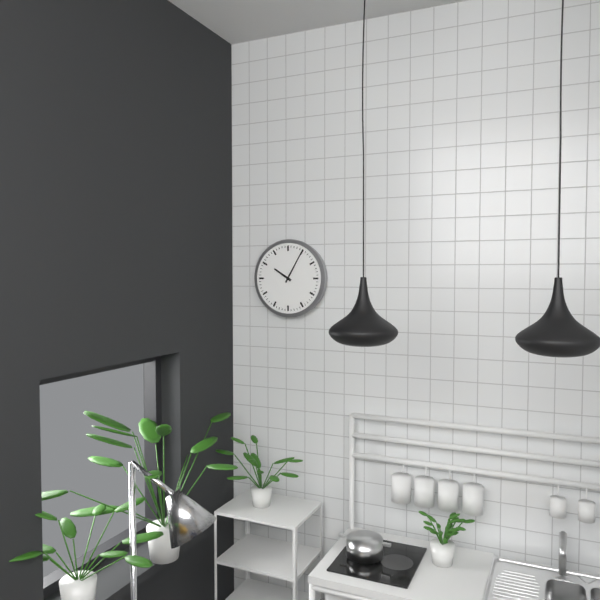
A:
h=10 m=5
